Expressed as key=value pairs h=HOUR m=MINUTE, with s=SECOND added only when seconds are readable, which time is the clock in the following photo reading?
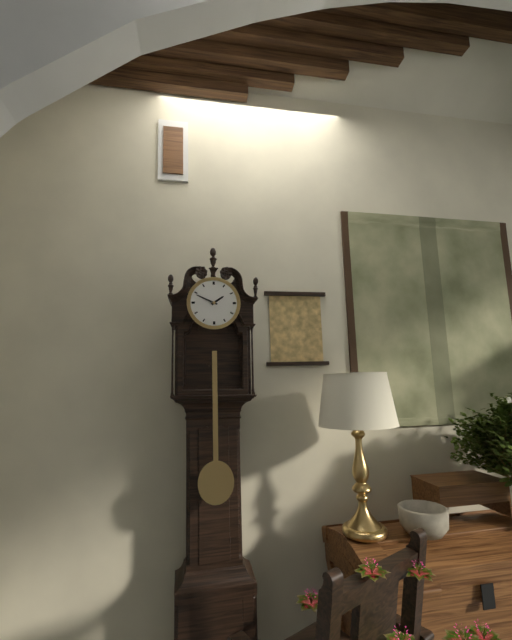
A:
h=1 m=49
